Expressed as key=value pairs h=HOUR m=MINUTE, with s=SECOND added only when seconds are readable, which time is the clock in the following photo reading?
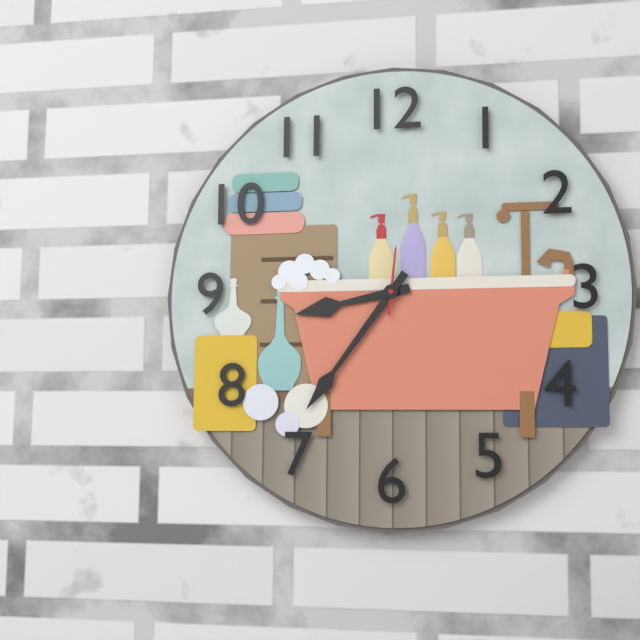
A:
h=8 m=36 s=1
